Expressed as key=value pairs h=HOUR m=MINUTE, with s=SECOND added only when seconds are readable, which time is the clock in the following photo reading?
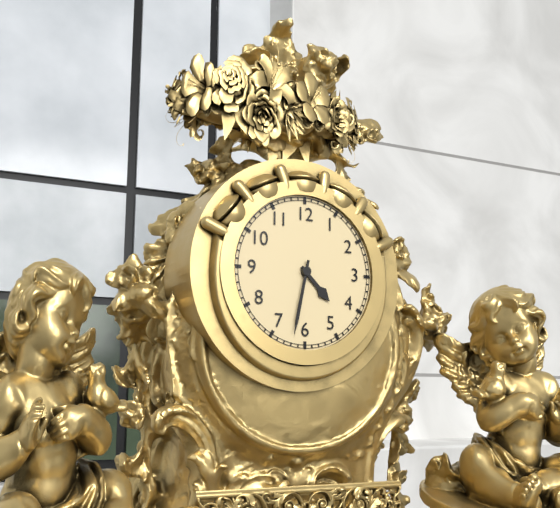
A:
h=4 m=32
